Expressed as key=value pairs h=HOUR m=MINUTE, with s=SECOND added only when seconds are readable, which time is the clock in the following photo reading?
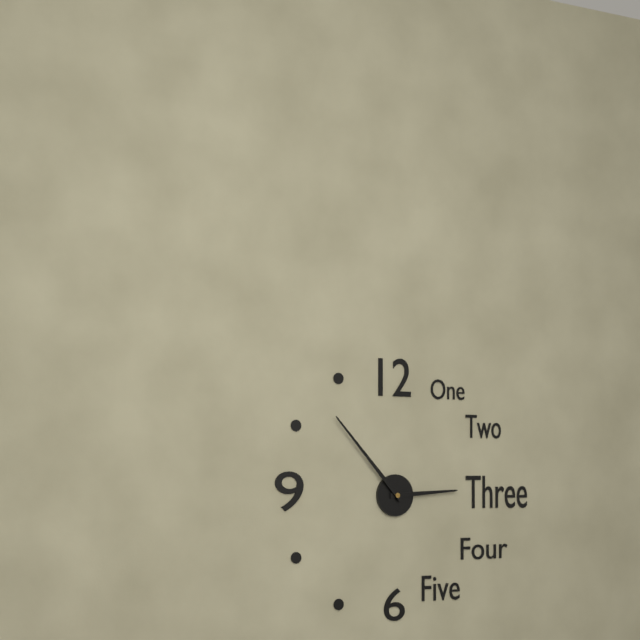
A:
h=2 m=53
